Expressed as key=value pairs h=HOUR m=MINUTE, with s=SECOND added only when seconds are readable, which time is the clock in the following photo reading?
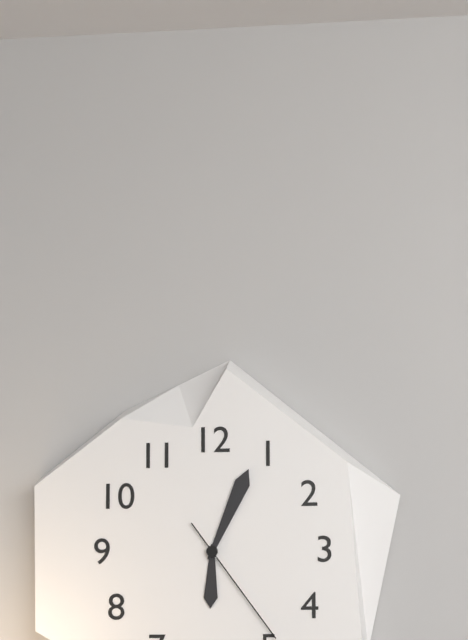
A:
h=6 m=4 s=24
